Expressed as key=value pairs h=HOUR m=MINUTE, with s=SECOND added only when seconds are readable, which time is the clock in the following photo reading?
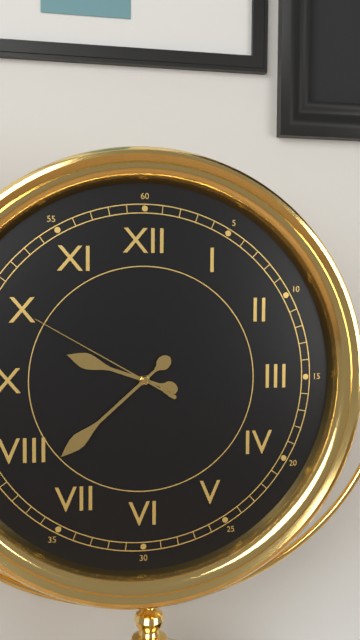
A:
h=9 m=38 s=50
